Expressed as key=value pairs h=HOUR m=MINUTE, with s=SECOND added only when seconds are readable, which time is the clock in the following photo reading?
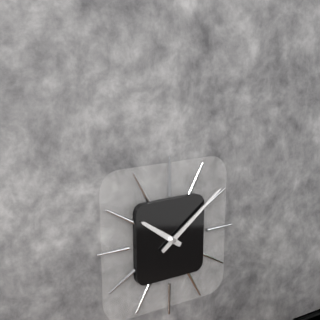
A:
h=10 m=9
